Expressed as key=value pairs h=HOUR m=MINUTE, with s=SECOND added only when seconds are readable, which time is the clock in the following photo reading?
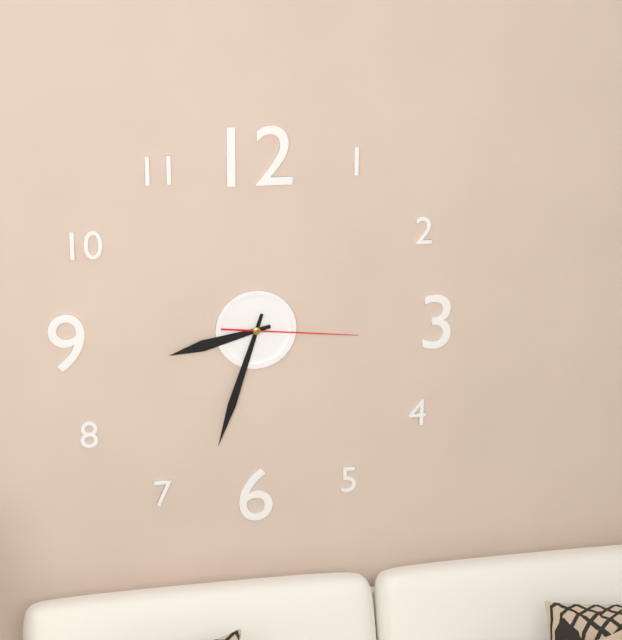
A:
h=8 m=33 s=16
